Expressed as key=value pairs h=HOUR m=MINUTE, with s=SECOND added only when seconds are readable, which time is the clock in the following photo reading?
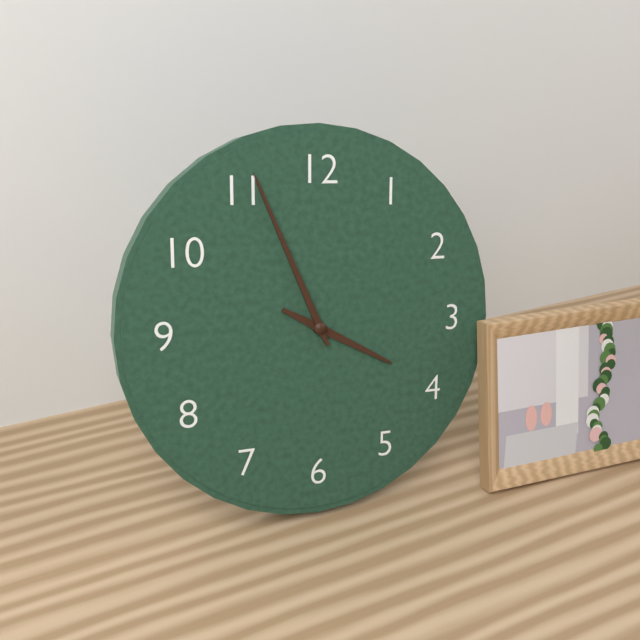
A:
h=3 m=56
